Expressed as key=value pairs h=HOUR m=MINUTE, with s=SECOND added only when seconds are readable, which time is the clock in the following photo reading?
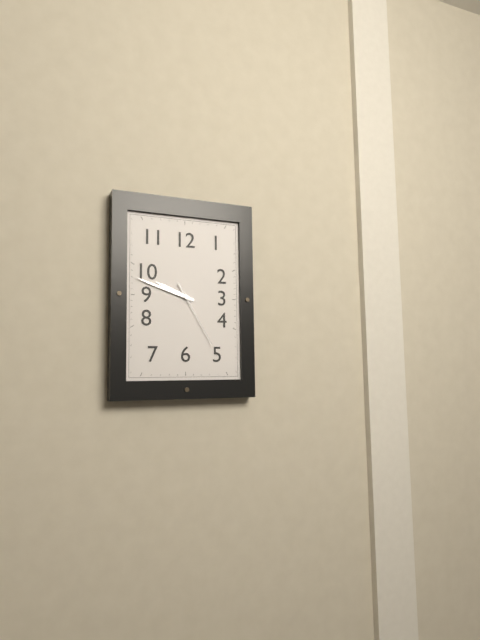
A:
h=9 m=48 s=25
